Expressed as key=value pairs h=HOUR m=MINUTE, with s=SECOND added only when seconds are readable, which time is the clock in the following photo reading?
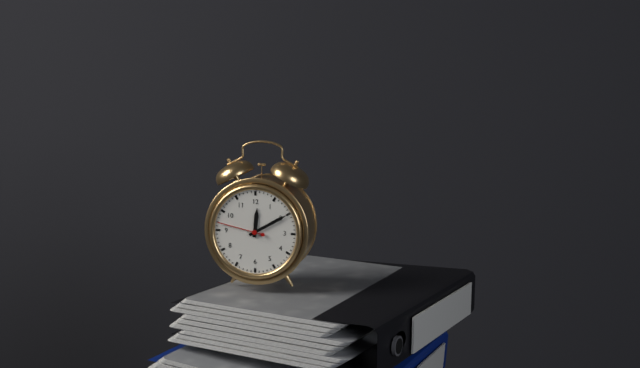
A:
h=12 m=10
